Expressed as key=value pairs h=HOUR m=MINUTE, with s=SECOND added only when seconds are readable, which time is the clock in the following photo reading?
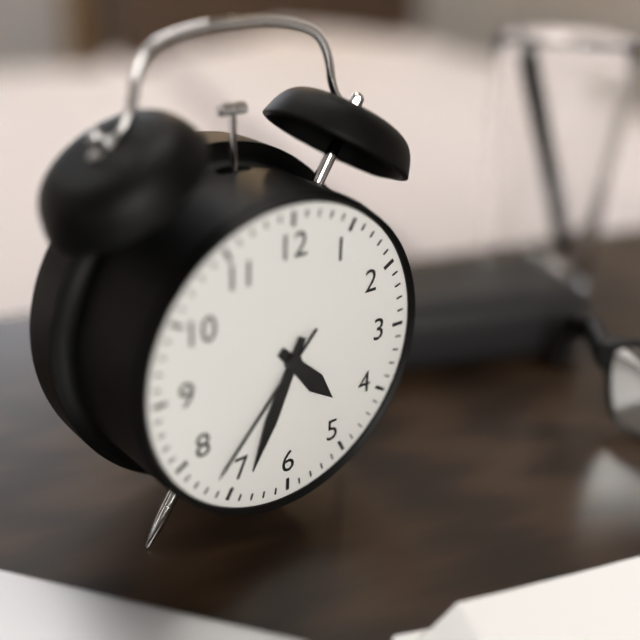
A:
h=4 m=34 s=37
